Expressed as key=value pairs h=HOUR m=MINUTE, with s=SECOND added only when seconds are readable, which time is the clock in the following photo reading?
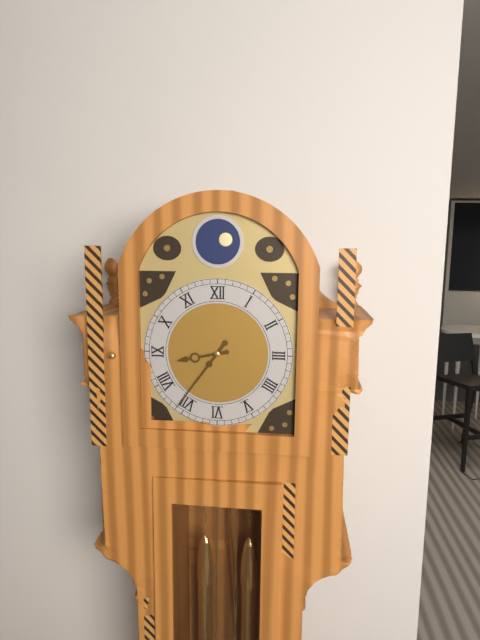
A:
h=8 m=36
